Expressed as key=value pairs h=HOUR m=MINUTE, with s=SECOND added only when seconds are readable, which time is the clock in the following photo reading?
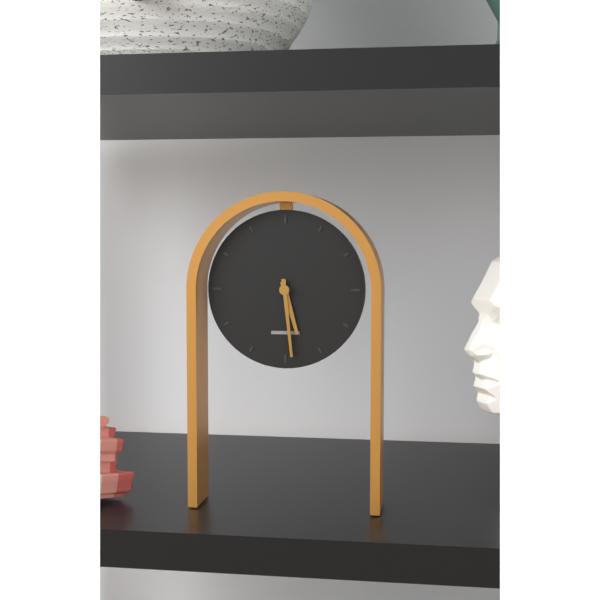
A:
h=5 m=29
